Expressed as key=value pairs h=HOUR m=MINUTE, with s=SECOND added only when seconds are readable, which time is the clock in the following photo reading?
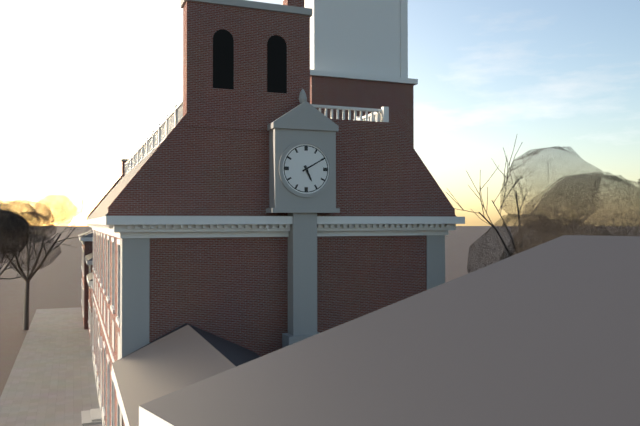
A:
h=5 m=10
